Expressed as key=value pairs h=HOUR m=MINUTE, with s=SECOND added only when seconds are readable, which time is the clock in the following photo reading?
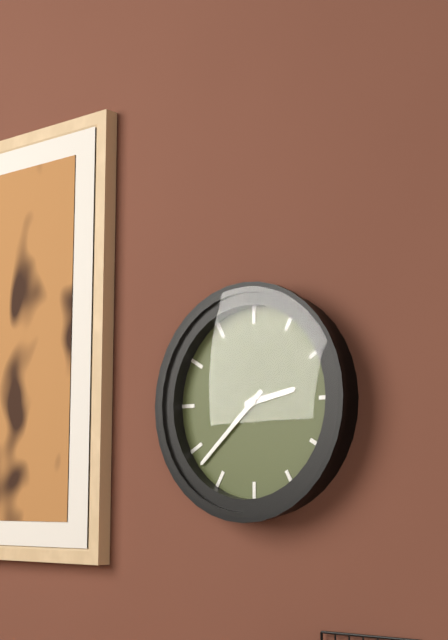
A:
h=2 m=38
